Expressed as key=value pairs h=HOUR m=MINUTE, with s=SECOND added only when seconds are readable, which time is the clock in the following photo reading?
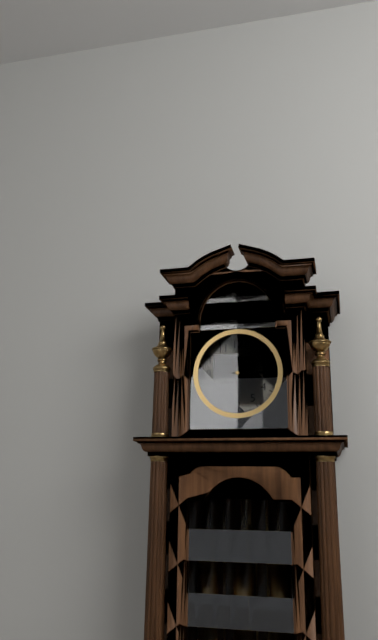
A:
h=10 m=15
